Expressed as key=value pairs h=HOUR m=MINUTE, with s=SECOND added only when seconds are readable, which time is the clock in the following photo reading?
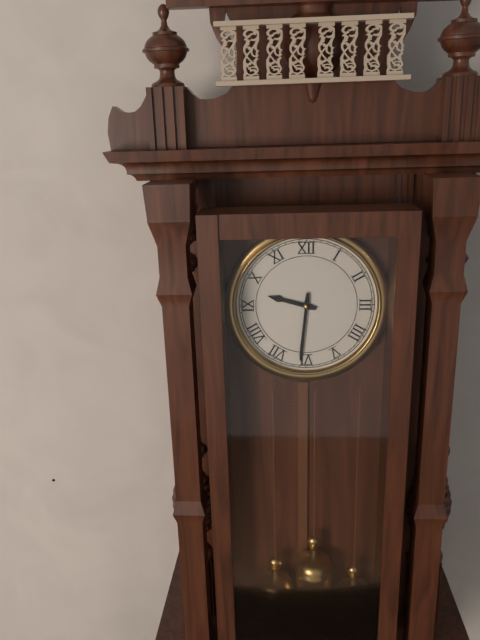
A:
h=9 m=31
